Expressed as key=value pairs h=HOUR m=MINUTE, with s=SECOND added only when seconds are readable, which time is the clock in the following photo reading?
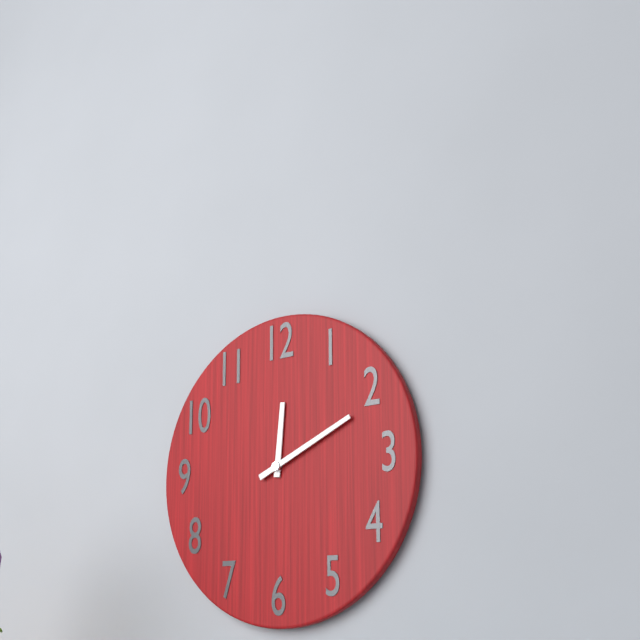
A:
h=12 m=11
